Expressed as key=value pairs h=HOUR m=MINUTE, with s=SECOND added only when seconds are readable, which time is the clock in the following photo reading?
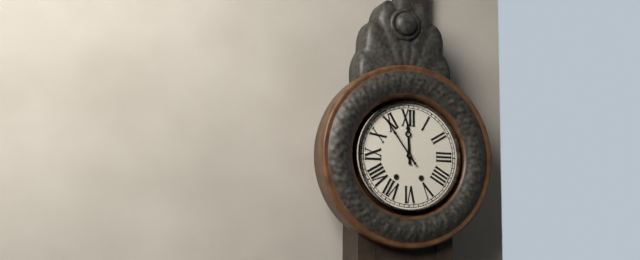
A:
h=11 m=54
